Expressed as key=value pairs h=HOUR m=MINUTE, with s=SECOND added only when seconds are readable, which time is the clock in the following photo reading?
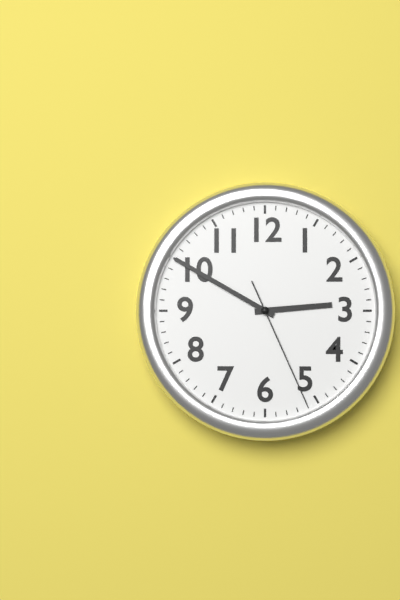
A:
h=2 m=50 s=26
